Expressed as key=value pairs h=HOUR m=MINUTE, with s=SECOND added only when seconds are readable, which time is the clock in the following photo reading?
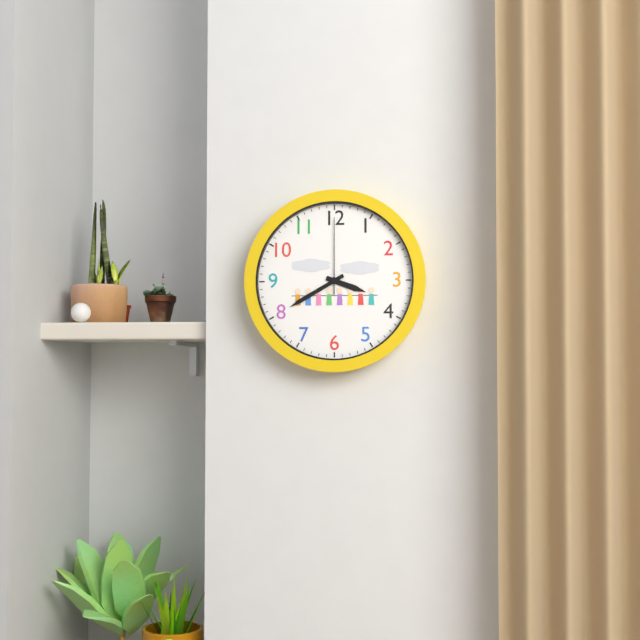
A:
h=3 m=40 s=0
